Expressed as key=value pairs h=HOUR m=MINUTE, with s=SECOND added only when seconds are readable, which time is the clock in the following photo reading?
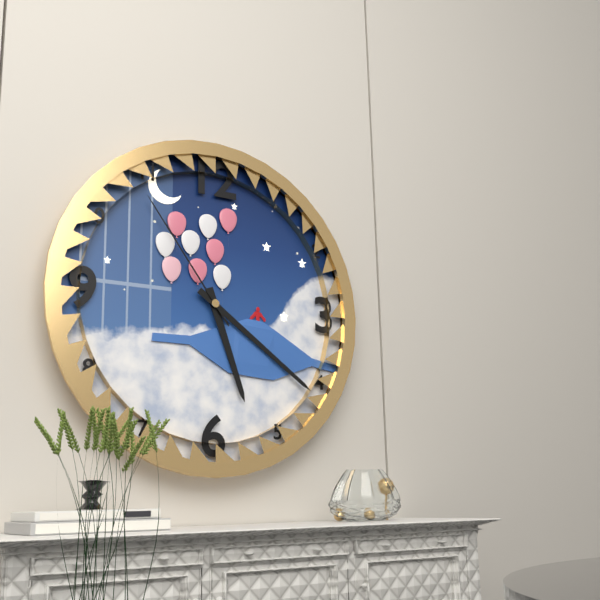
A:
h=5 m=21 s=54
